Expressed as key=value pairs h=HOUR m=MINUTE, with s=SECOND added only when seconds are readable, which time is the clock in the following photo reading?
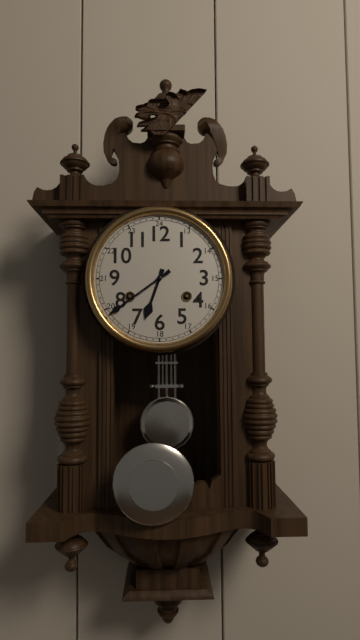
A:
h=6 m=39
